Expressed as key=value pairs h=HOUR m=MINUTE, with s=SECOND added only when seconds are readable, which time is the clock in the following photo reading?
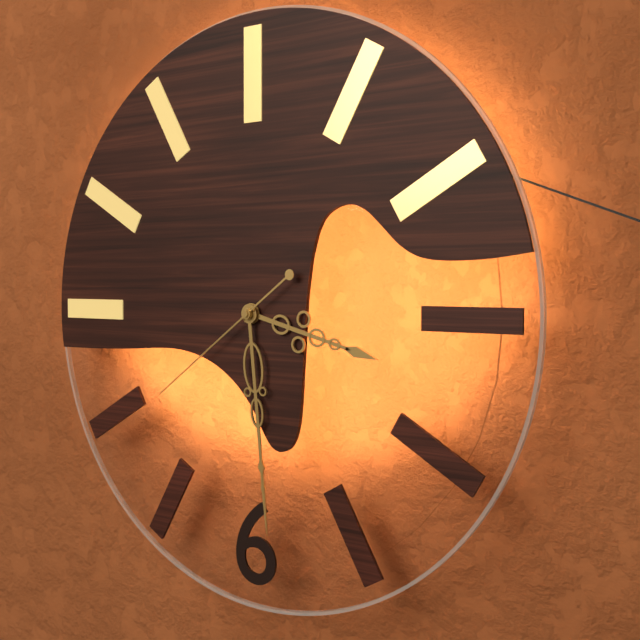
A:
h=3 m=29 s=39
